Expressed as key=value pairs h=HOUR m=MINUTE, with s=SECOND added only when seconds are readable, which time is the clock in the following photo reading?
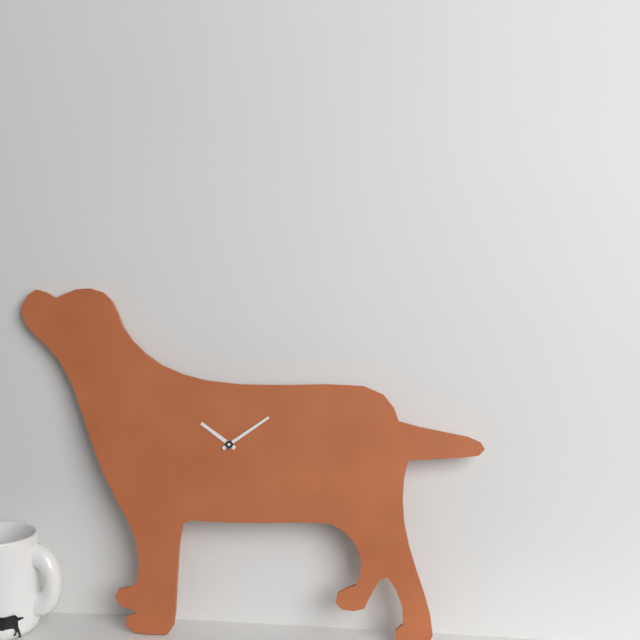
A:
h=10 m=9
